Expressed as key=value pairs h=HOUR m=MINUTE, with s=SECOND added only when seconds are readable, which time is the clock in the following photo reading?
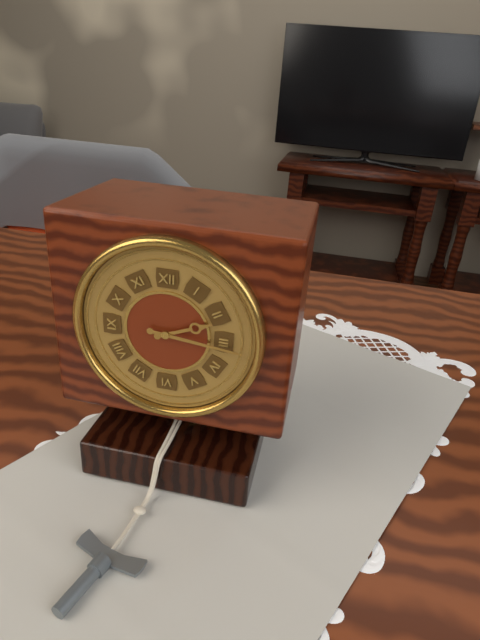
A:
h=2 m=16
